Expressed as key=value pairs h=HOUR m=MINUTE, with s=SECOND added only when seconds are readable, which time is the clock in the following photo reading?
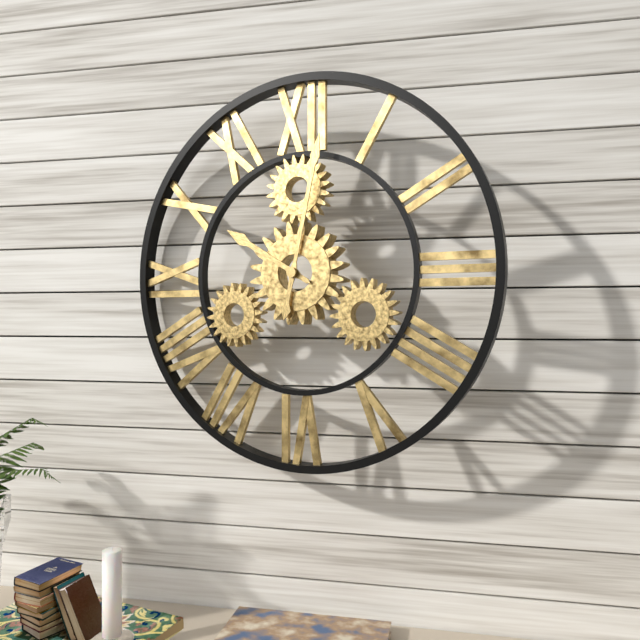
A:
h=10 m=2
